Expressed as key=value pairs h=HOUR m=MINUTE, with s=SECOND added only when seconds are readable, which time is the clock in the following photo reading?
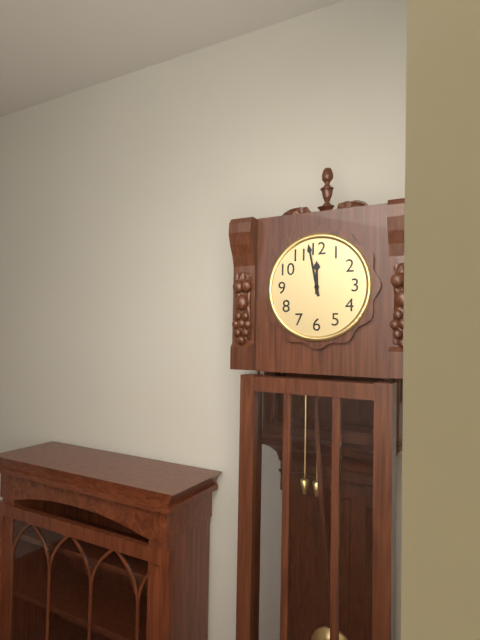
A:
h=11 m=58
